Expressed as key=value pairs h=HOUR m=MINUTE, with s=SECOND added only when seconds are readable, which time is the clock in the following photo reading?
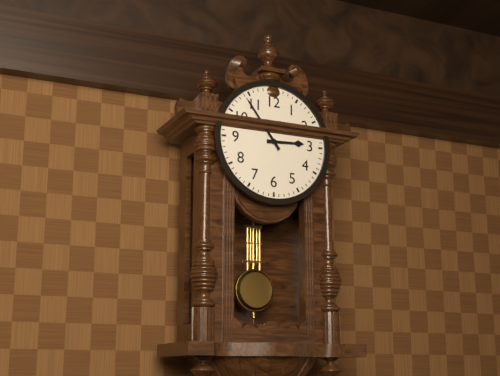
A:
h=2 m=54
